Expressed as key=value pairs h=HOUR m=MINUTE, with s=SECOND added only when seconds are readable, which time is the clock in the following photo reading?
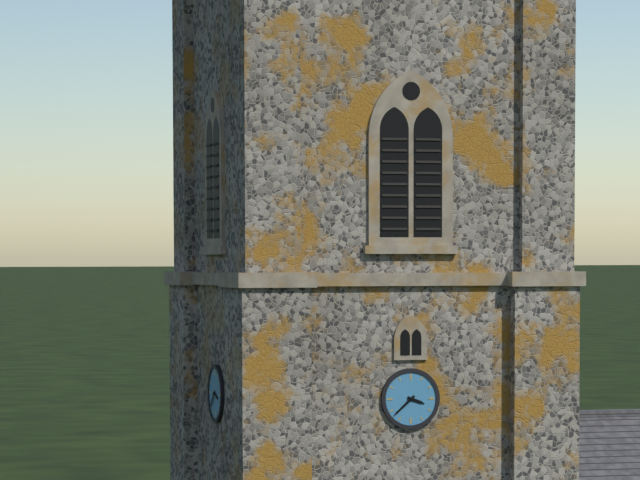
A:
h=3 m=38
